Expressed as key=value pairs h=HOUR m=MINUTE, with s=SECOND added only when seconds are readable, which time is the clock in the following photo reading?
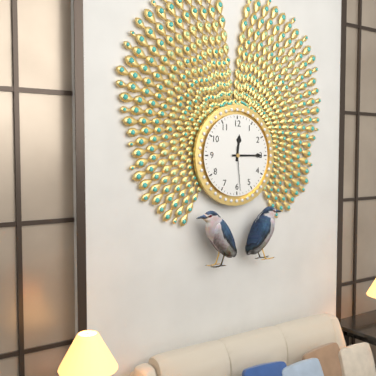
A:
h=12 m=15
